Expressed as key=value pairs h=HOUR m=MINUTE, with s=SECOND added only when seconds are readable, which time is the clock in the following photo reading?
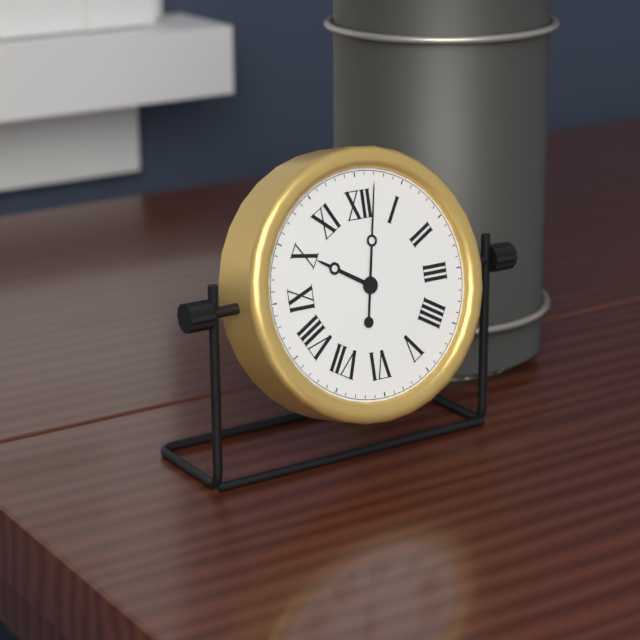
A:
h=10 m=2
